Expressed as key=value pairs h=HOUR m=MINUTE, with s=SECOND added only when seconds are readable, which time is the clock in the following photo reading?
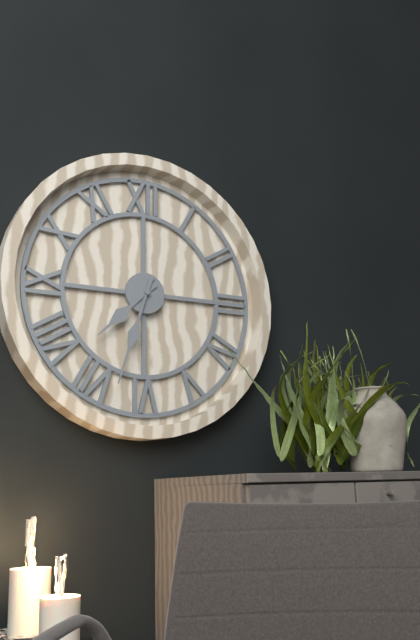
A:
h=7 m=33
